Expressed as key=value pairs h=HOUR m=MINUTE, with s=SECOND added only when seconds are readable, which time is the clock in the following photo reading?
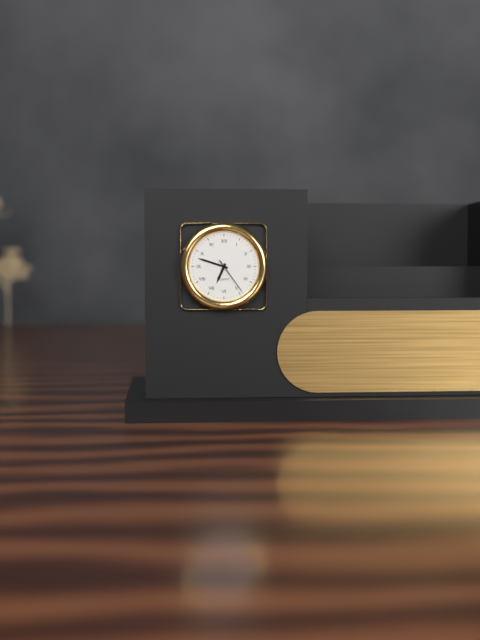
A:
h=6 m=48
